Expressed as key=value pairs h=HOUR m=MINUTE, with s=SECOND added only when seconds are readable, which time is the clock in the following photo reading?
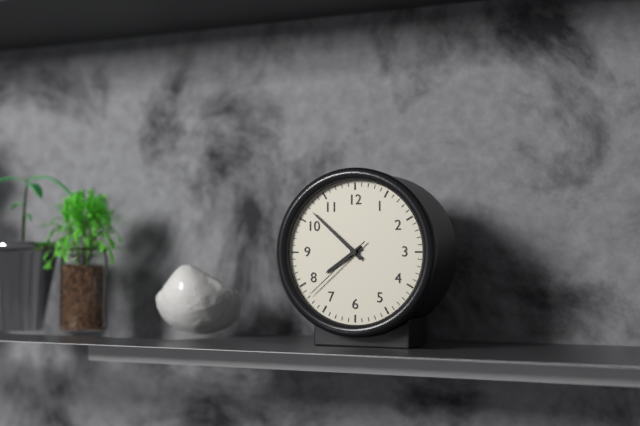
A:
h=7 m=52 s=38
